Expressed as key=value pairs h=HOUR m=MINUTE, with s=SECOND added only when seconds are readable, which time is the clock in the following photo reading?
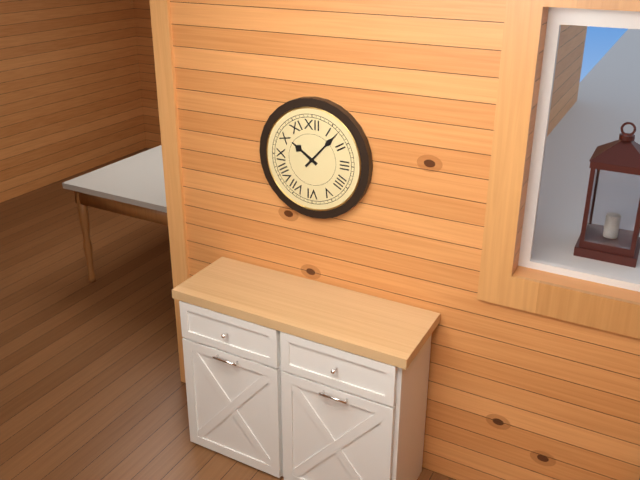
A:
h=10 m=7
